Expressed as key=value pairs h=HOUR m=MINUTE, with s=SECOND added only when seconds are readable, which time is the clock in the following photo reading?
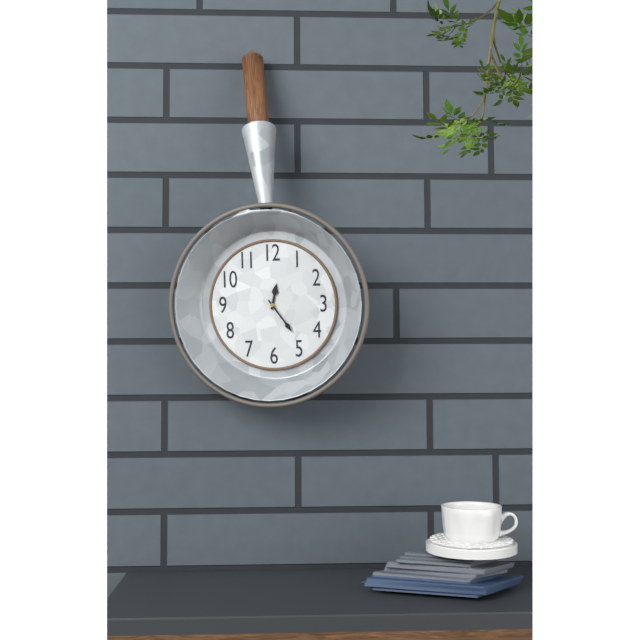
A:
h=12 m=24
